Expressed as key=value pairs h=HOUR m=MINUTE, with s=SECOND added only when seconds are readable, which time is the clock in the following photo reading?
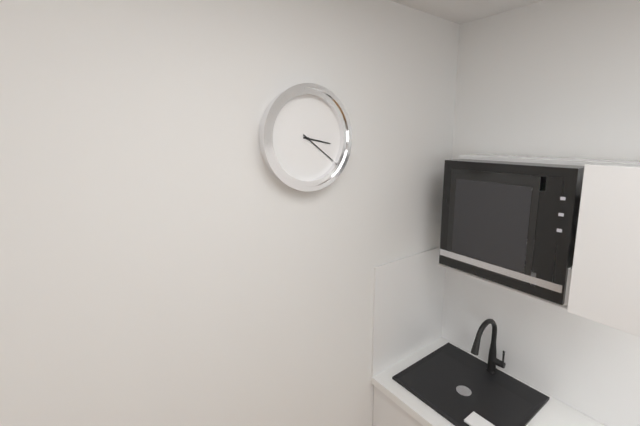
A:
h=3 m=21
